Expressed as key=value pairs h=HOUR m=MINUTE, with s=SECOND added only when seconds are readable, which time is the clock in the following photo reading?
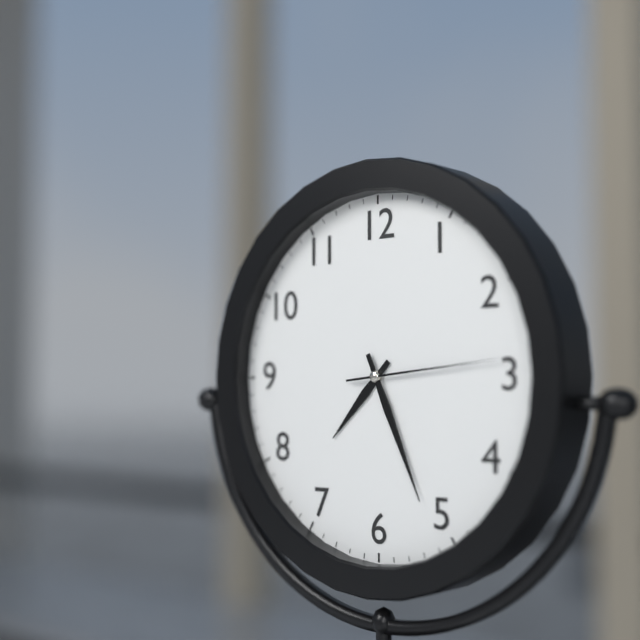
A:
h=7 m=26 s=14
